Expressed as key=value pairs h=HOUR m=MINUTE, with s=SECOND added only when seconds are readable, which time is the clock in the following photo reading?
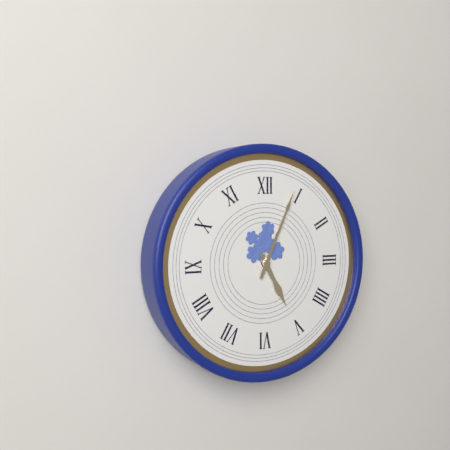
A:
h=5 m=4
